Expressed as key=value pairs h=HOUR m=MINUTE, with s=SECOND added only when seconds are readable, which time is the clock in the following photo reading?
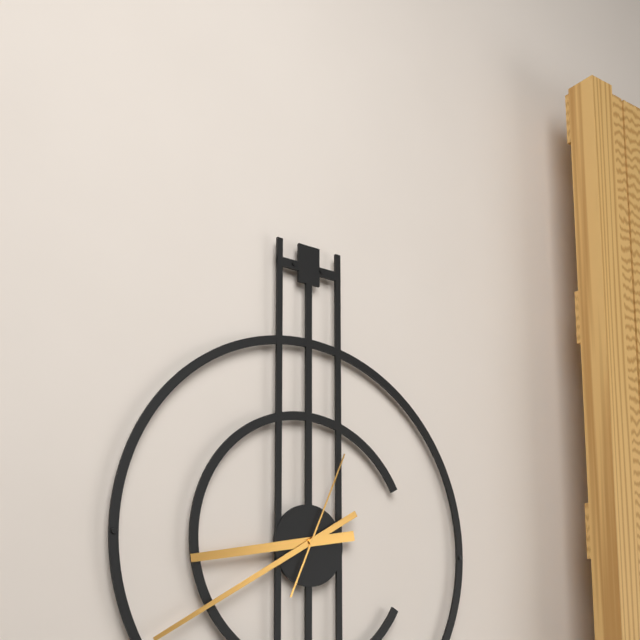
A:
h=8 m=40 s=4
